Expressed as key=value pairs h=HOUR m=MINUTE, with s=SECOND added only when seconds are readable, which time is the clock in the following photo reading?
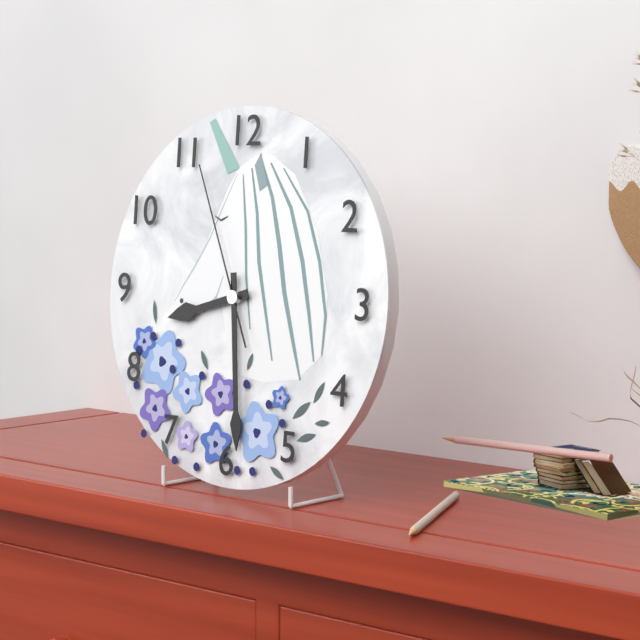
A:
h=8 m=29 s=56
